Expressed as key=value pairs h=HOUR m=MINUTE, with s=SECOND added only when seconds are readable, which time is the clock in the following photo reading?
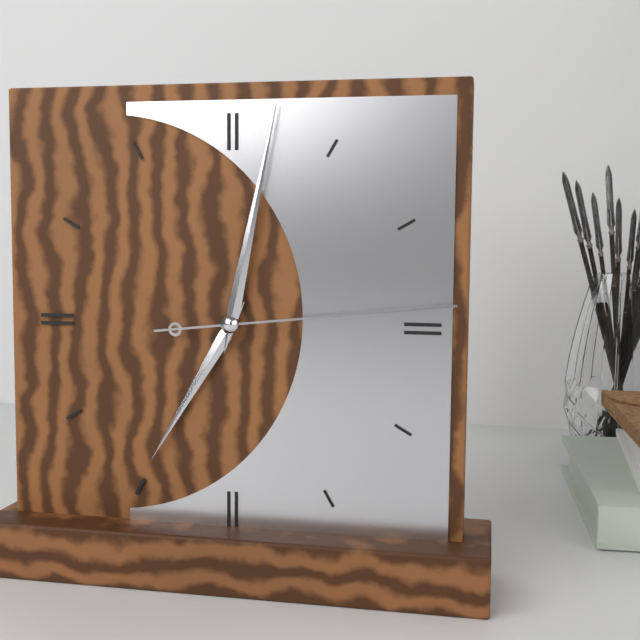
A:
h=7 m=2 s=14
